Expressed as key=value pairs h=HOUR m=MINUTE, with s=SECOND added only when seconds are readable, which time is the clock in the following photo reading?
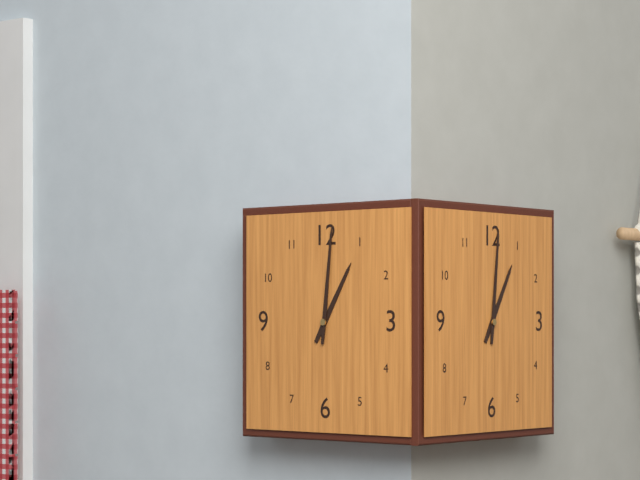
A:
h=1 m=1
